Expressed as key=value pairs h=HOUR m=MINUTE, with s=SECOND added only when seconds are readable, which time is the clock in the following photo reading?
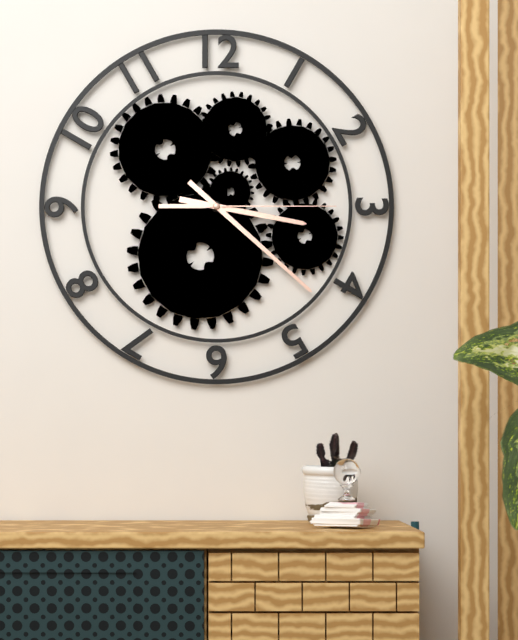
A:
h=3 m=22 s=15
